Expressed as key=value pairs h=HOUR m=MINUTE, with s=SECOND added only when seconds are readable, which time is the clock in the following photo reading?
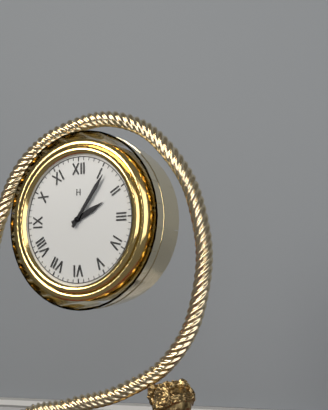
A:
h=2 m=6
